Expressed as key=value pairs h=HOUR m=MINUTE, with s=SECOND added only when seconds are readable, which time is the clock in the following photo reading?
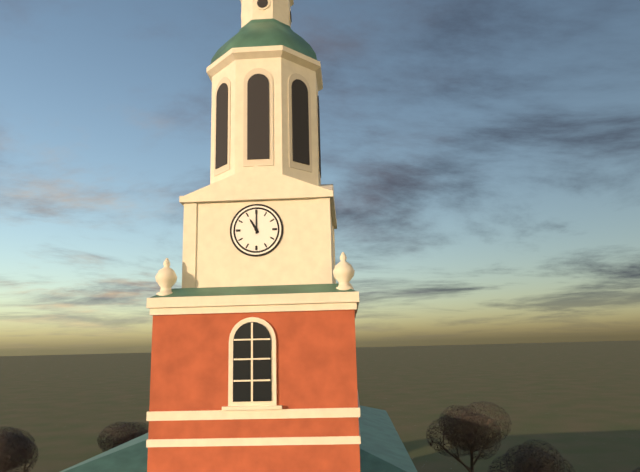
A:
h=11 m=0
